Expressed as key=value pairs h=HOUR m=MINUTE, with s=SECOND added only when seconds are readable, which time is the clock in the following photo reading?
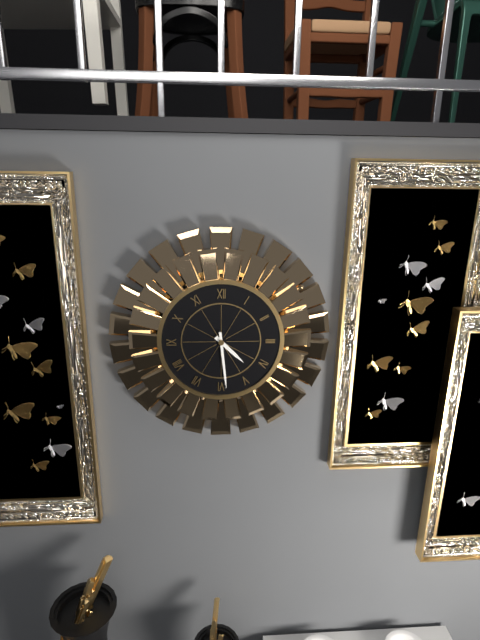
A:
h=4 m=29
